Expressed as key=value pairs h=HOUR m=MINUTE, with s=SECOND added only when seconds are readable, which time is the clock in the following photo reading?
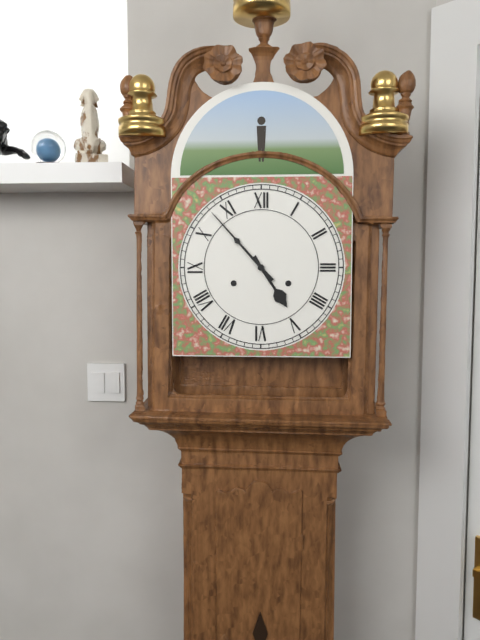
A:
h=4 m=53
